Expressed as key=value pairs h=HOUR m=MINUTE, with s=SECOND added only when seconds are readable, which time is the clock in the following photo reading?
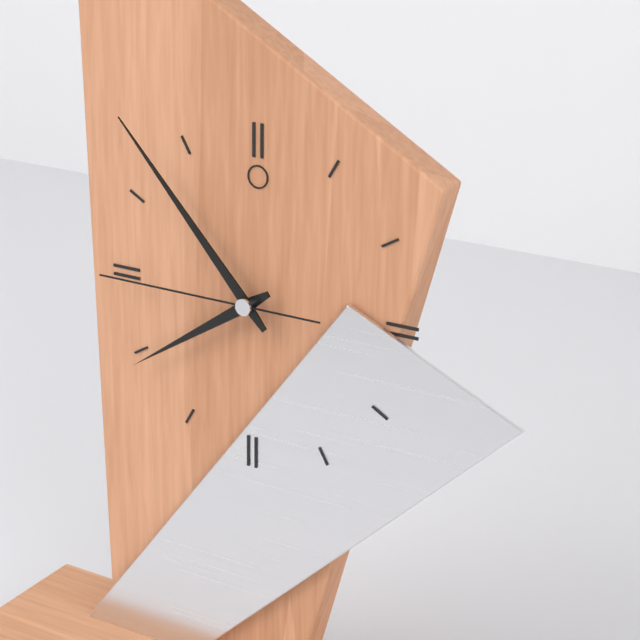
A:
h=7 m=53 s=45
